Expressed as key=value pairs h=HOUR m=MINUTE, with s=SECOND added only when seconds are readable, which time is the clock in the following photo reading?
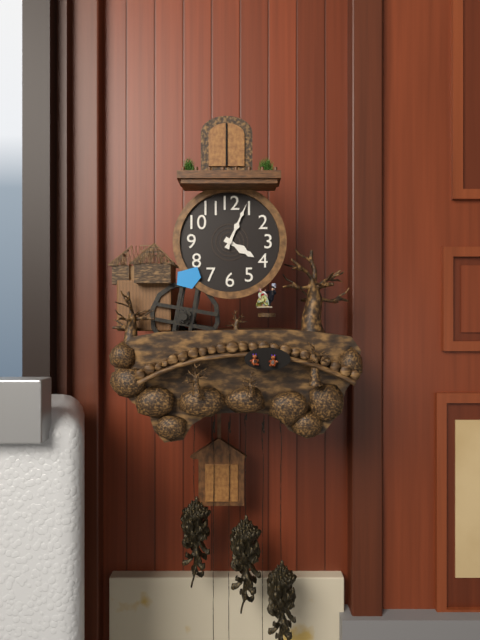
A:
h=4 m=4
